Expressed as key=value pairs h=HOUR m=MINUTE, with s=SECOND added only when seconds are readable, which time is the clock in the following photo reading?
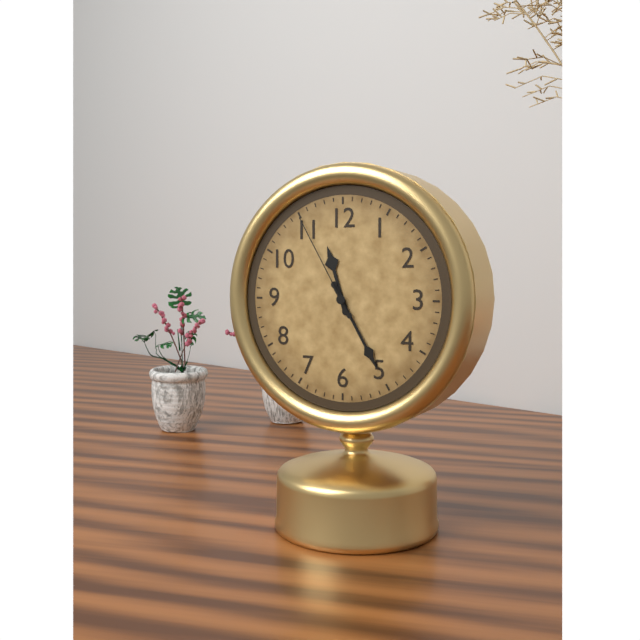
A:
h=11 m=25 s=55
